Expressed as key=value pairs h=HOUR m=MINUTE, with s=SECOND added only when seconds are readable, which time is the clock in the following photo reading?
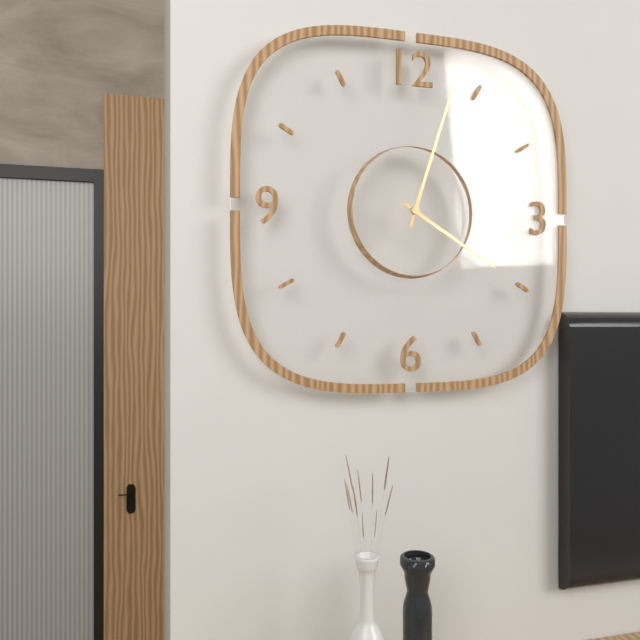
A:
h=4 m=3
